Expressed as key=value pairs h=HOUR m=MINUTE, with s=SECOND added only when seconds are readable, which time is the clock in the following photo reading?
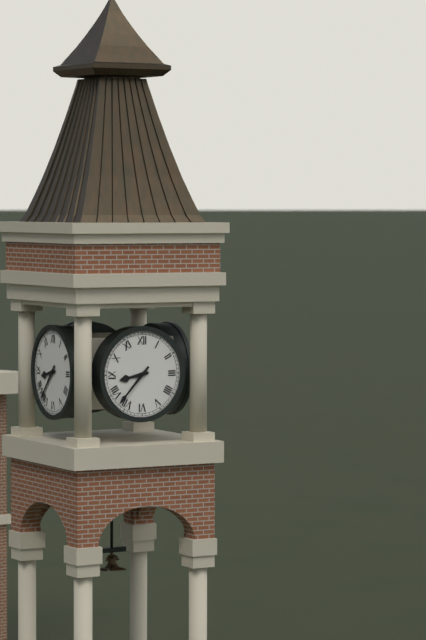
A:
h=8 m=37
